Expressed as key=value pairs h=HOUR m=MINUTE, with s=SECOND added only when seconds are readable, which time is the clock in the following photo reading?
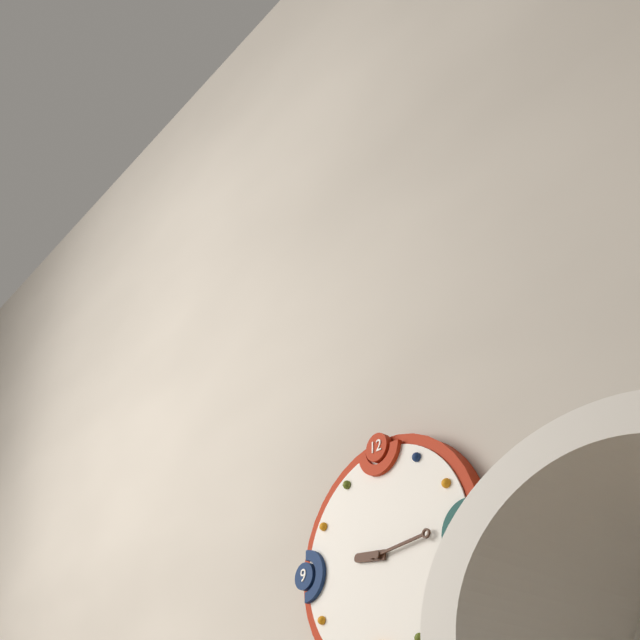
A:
h=9 m=14
